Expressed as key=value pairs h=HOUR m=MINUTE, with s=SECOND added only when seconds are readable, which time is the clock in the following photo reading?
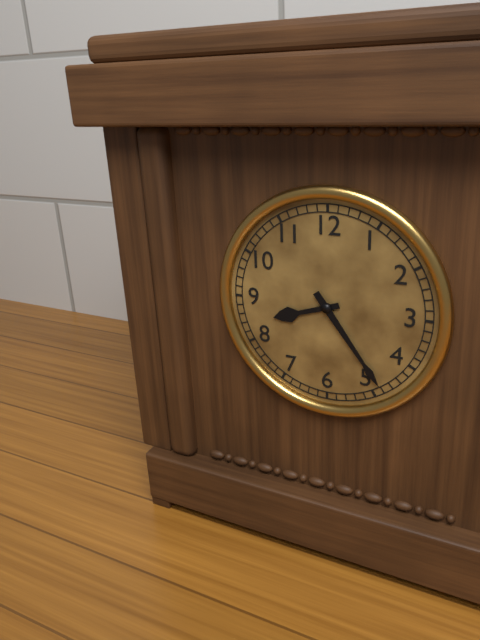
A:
h=8 m=24
